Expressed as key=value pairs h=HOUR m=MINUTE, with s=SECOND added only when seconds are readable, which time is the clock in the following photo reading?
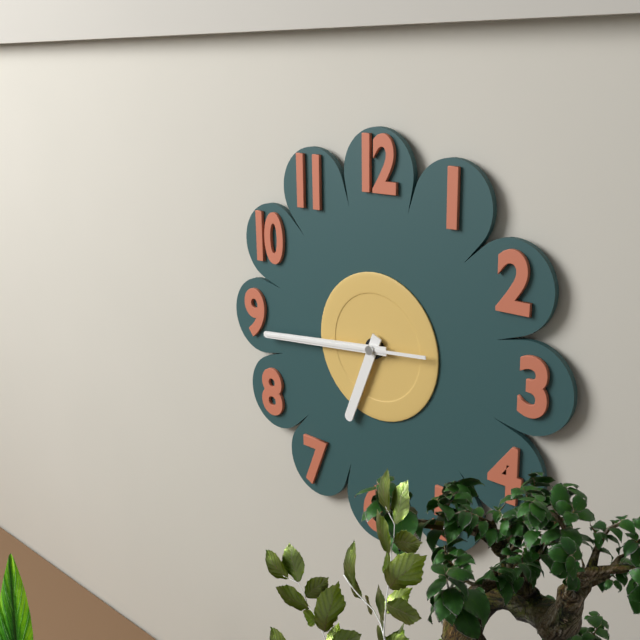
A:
h=6 m=44 s=44
